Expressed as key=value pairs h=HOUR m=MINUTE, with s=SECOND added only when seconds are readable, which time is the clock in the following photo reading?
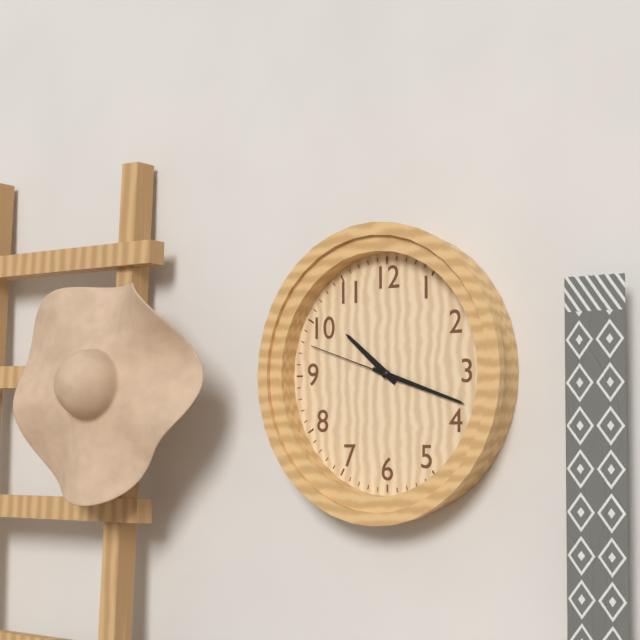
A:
h=10 m=18 s=48
